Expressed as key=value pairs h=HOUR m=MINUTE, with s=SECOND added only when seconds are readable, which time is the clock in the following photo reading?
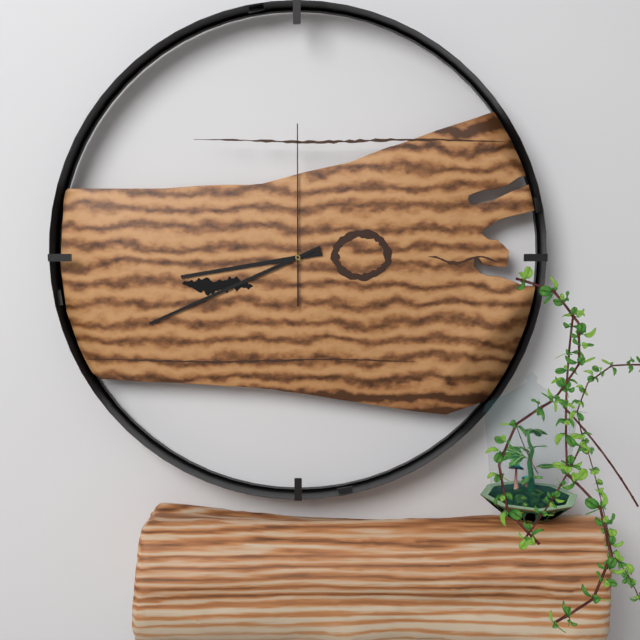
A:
h=8 m=41 s=0
